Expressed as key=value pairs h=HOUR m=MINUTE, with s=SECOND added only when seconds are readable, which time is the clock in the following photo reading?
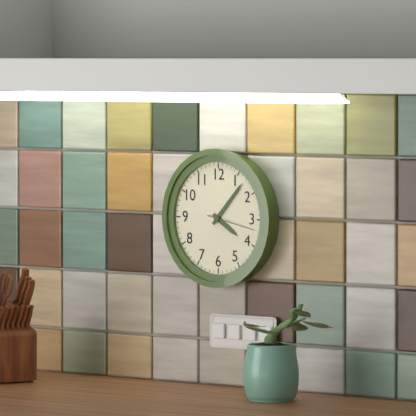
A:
h=4 m=7
